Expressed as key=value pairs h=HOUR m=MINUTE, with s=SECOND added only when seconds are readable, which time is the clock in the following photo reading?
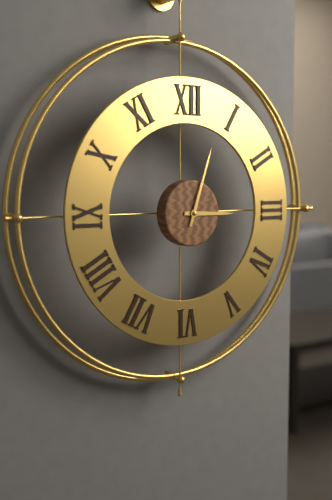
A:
h=3 m=3
